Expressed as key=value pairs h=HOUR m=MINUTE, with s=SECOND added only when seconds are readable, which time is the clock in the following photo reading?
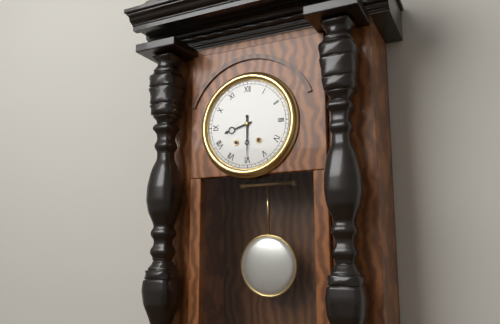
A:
h=8 m=30
